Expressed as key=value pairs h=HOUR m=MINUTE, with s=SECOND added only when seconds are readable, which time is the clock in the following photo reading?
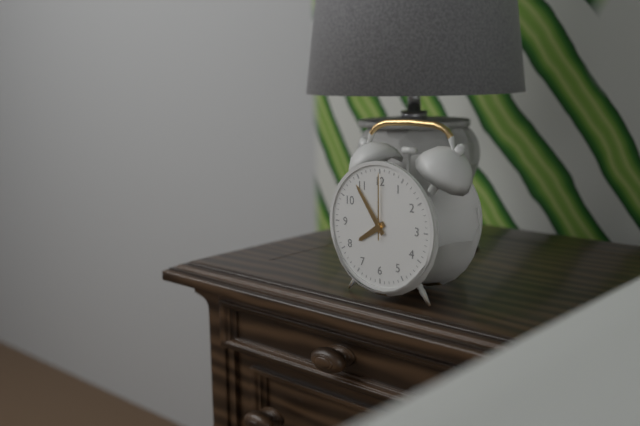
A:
h=7 m=54 s=0
